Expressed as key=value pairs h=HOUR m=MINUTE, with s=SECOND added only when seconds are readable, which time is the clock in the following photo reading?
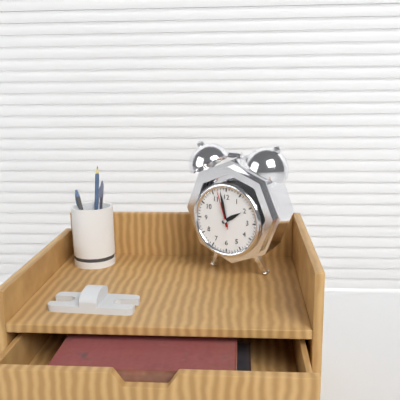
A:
h=1 m=58
